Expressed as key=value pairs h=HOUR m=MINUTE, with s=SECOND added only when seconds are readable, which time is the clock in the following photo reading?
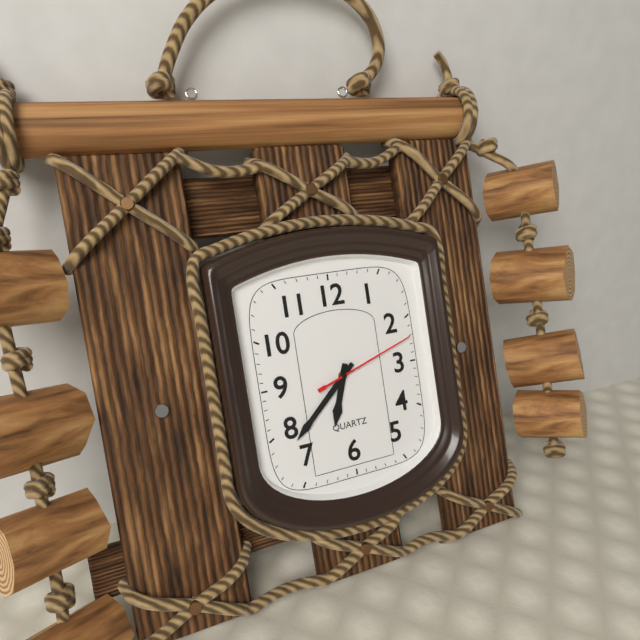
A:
h=6 m=38 s=12
